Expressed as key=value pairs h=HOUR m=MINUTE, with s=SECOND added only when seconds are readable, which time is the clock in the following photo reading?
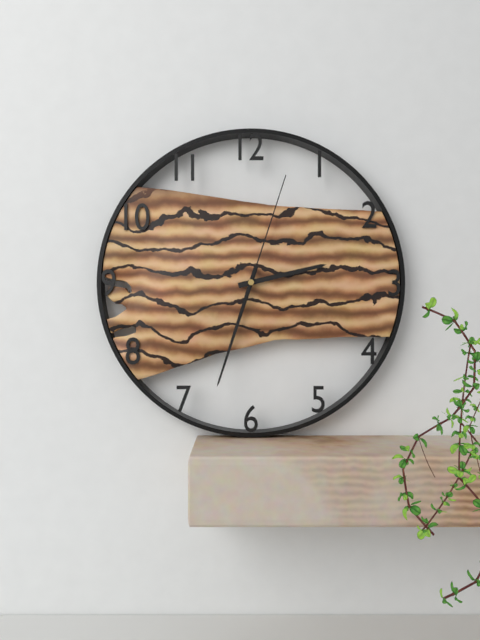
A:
h=2 m=33 s=3
